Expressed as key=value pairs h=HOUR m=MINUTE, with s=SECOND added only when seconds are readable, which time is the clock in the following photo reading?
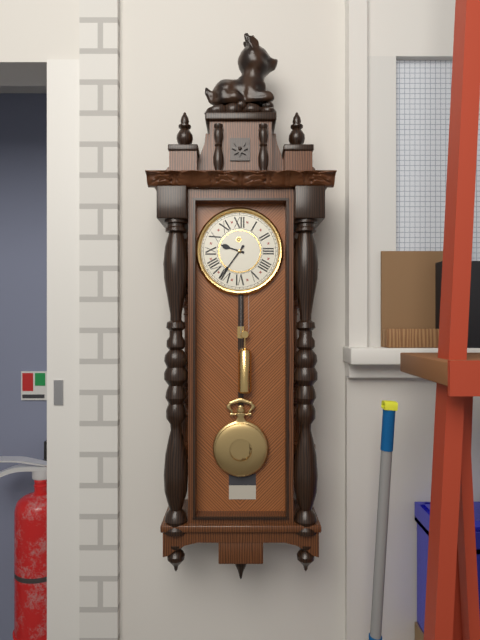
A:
h=9 m=36
